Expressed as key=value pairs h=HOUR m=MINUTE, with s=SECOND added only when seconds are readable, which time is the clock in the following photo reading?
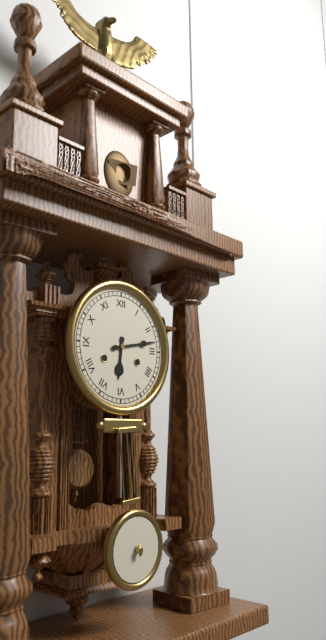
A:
h=6 m=13
